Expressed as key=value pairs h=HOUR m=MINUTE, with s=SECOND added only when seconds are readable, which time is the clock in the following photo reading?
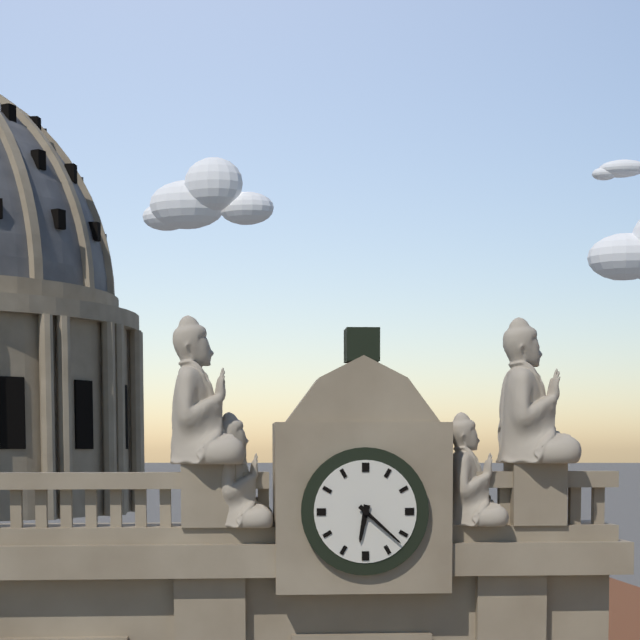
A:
h=6 m=22
